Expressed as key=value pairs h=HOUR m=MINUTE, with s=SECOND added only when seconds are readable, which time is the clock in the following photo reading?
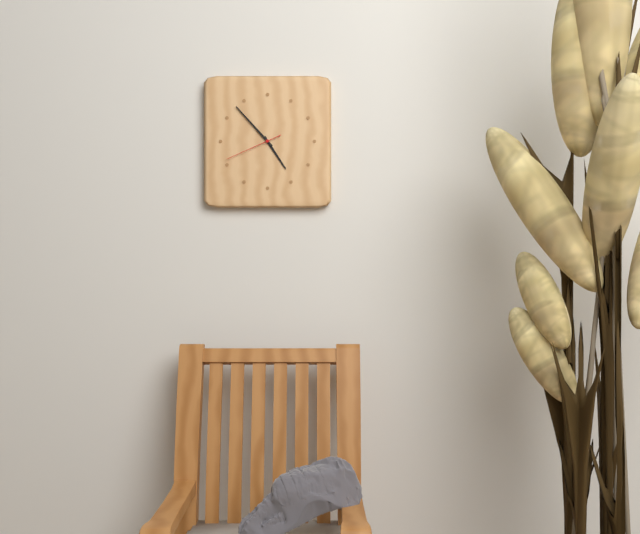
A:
h=4 m=53 s=41
